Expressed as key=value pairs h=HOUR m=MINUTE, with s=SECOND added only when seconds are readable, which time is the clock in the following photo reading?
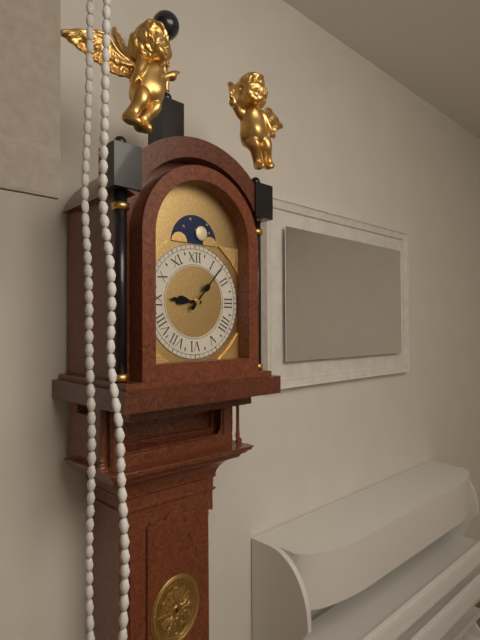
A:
h=9 m=7
